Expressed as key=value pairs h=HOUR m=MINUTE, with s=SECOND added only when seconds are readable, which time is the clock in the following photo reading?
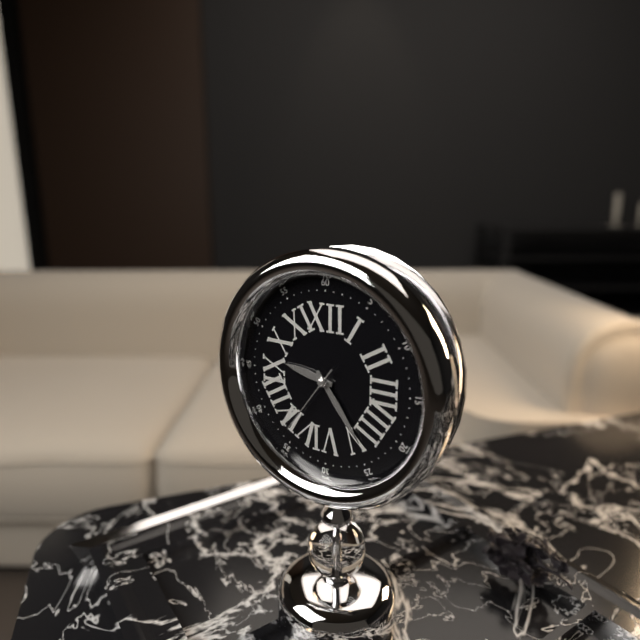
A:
h=9 m=24 s=36
